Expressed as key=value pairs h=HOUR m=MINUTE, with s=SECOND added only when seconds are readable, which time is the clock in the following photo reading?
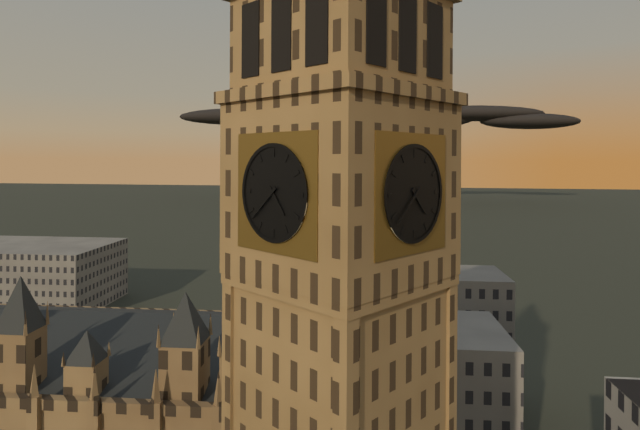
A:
h=4 m=38
